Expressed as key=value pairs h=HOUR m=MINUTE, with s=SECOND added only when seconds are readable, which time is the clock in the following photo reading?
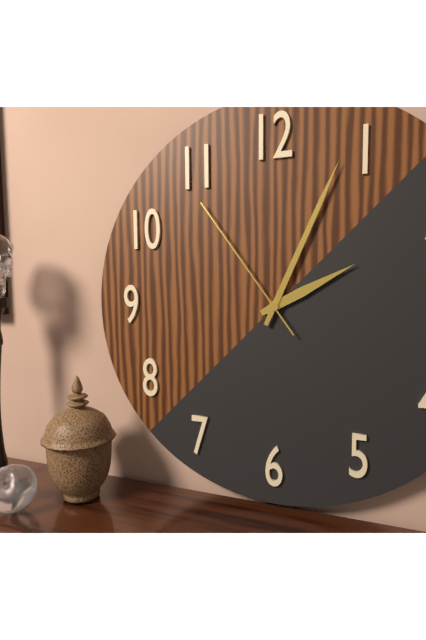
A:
h=2 m=4 s=54
